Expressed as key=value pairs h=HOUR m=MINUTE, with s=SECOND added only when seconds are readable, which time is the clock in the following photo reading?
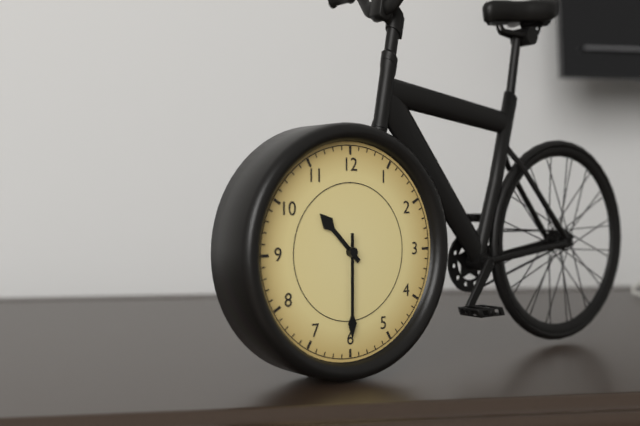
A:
h=10 m=30
